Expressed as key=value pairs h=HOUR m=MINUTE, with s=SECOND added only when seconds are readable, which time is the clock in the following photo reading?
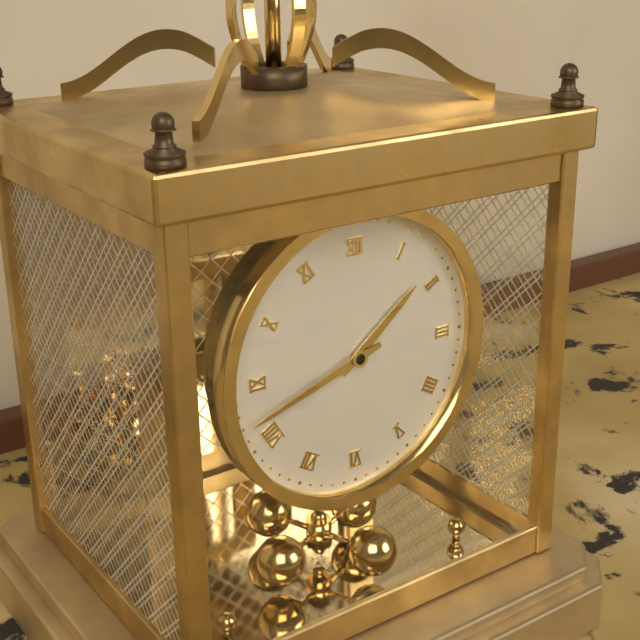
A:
h=1 m=42
